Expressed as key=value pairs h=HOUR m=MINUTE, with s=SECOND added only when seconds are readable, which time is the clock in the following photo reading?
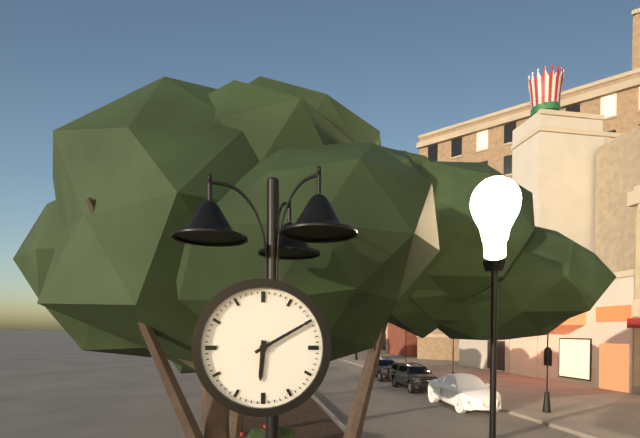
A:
h=6 m=10
